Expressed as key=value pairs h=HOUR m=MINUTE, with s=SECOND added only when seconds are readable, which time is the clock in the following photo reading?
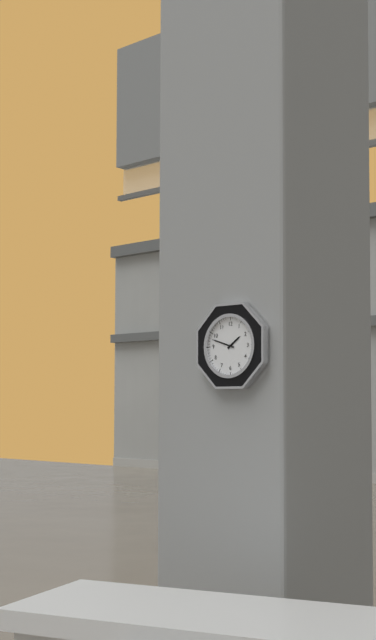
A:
h=1 m=48
